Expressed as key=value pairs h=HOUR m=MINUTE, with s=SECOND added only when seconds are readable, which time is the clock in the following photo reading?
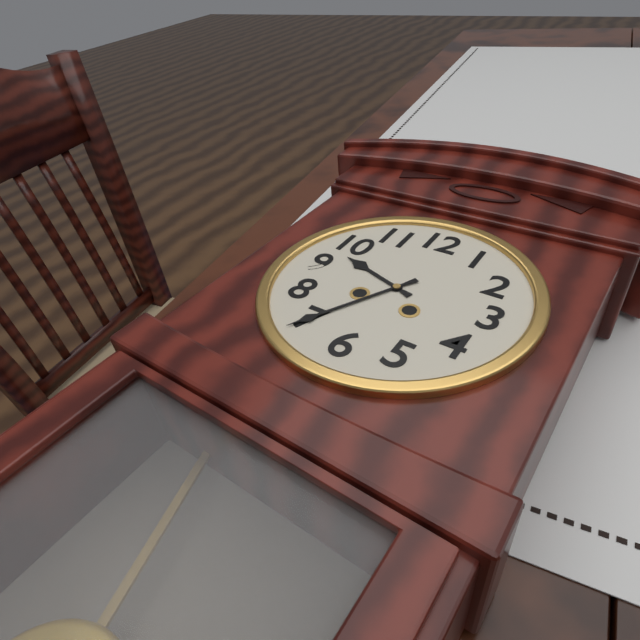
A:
h=9 m=35
